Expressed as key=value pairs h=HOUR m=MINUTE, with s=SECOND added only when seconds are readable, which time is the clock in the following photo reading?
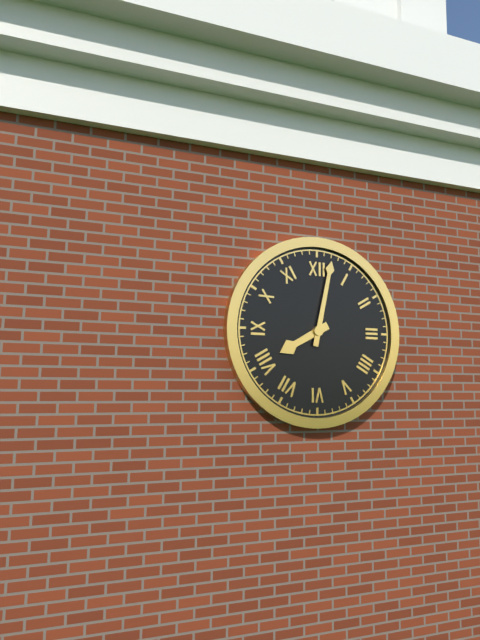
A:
h=8 m=2
